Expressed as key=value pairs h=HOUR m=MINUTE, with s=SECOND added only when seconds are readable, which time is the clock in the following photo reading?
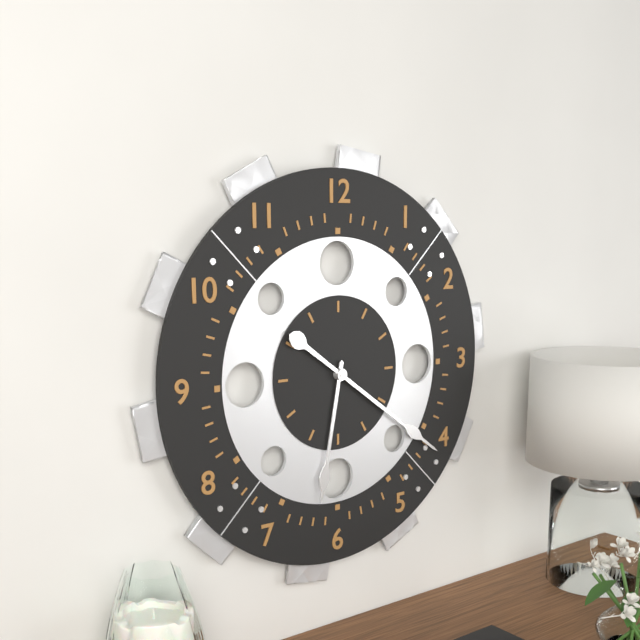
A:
h=6 m=21
